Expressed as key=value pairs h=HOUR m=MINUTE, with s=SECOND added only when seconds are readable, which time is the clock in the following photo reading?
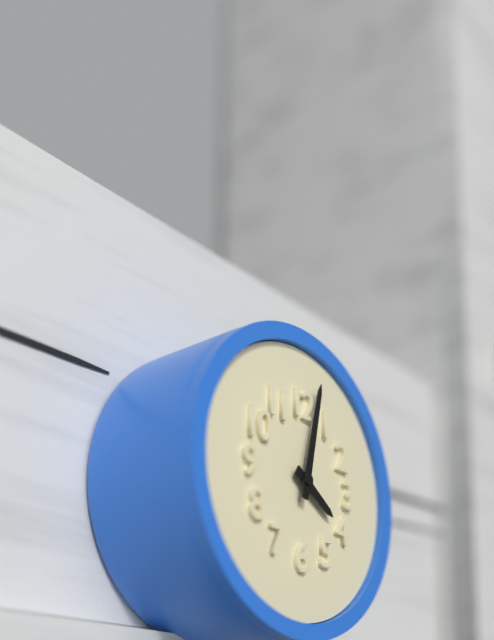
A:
h=4 m=2
